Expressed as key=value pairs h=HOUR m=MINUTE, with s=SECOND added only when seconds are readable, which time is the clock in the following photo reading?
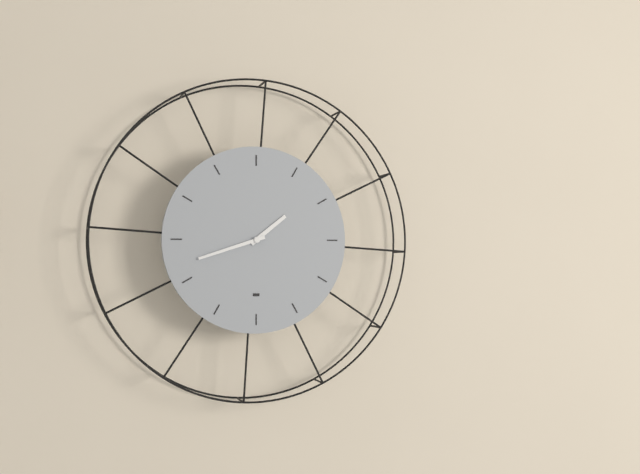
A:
h=1 m=42
